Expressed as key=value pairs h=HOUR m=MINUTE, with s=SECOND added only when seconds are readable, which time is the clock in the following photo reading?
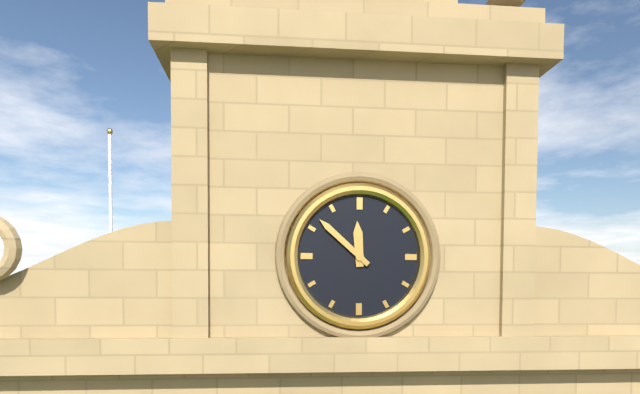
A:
h=11 m=52
